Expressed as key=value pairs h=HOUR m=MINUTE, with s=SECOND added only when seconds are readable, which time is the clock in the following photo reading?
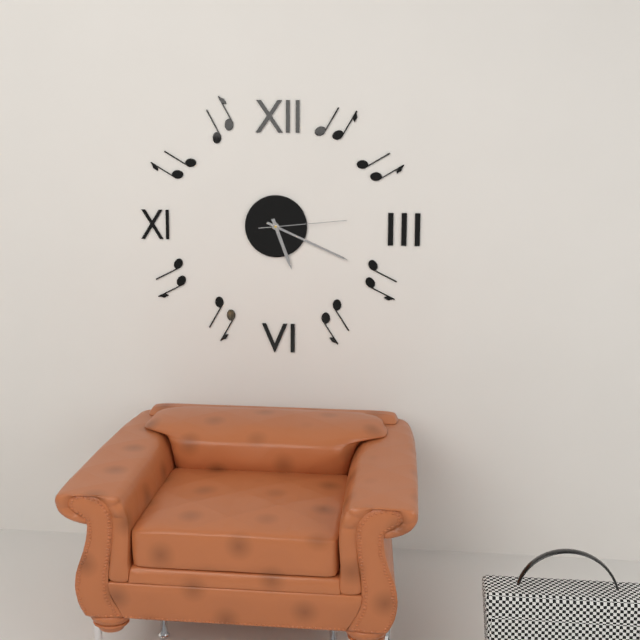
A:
h=5 m=19 s=14
